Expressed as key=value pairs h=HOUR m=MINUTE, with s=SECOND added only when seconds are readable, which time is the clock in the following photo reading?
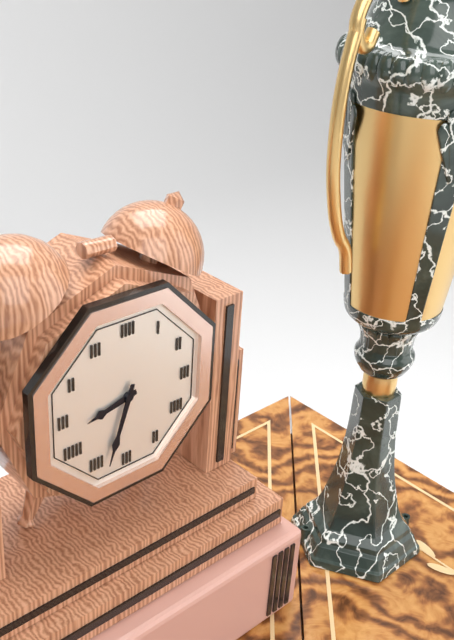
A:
h=8 m=33
